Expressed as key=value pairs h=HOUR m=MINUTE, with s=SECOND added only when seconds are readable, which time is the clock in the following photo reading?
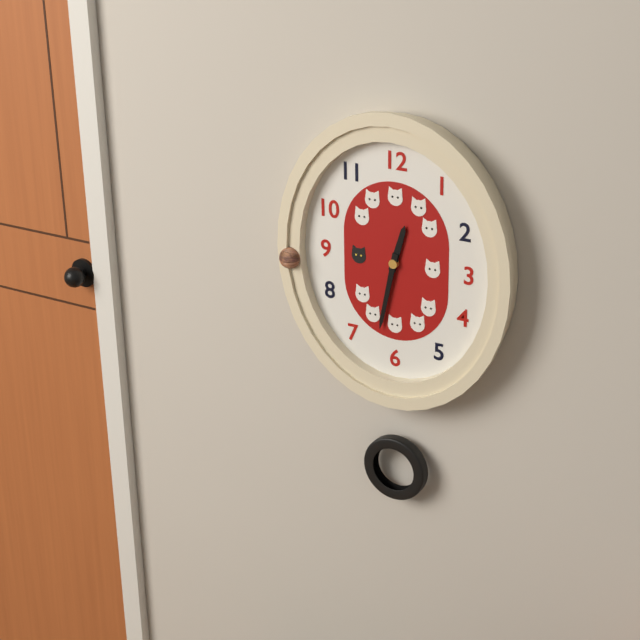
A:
h=12 m=32
